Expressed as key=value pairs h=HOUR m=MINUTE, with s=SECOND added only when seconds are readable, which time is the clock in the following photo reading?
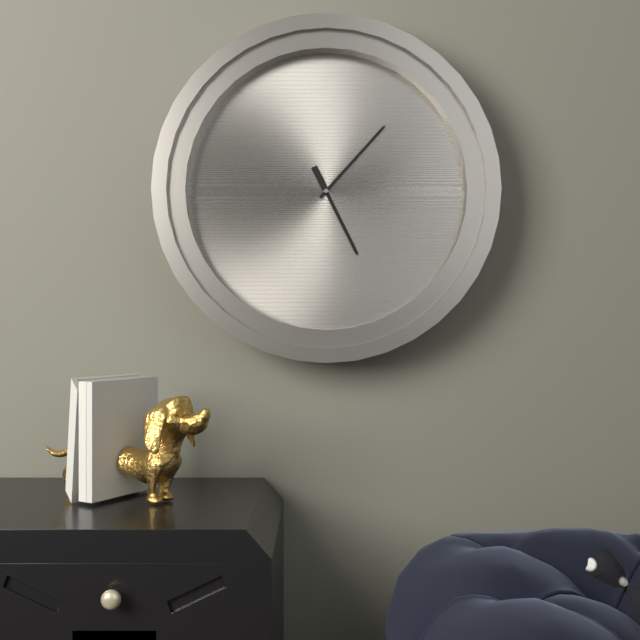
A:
h=5 m=7
